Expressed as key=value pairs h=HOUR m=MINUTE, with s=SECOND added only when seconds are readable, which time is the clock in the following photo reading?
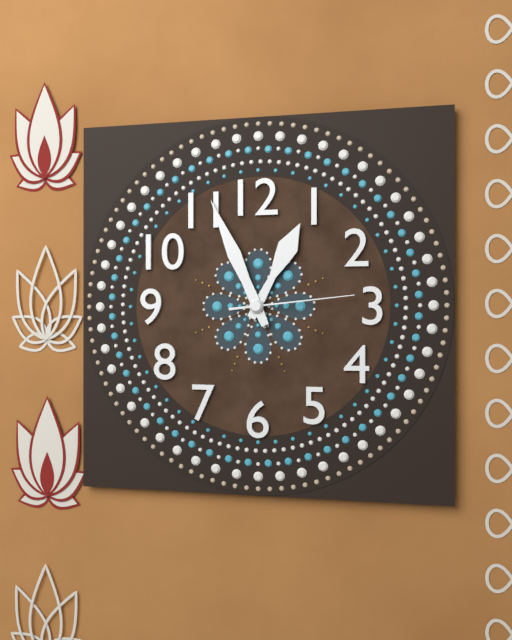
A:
h=12 m=56 s=14
